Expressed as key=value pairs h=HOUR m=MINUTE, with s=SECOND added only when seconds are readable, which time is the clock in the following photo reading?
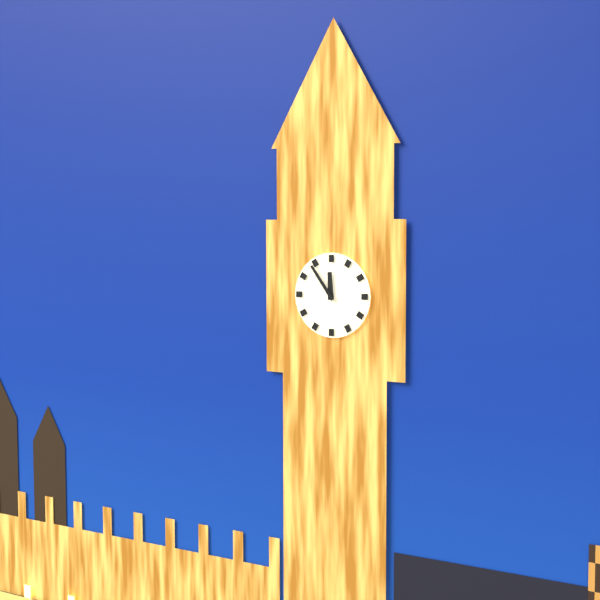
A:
h=11 m=54
